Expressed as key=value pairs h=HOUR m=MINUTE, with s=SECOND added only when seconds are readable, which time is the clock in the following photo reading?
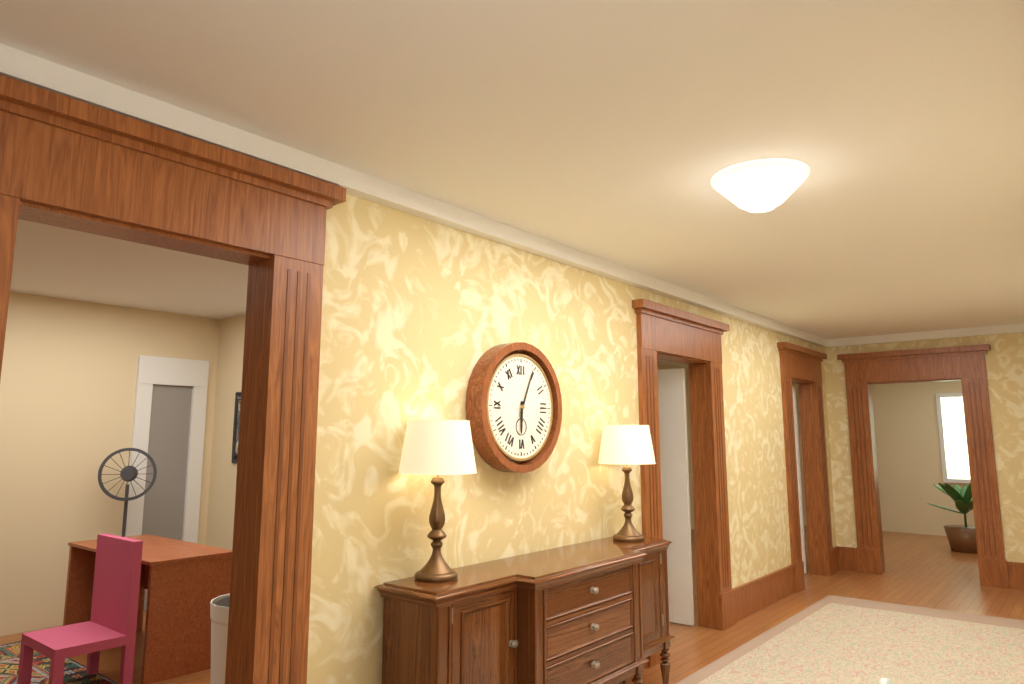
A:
h=6 m=4
